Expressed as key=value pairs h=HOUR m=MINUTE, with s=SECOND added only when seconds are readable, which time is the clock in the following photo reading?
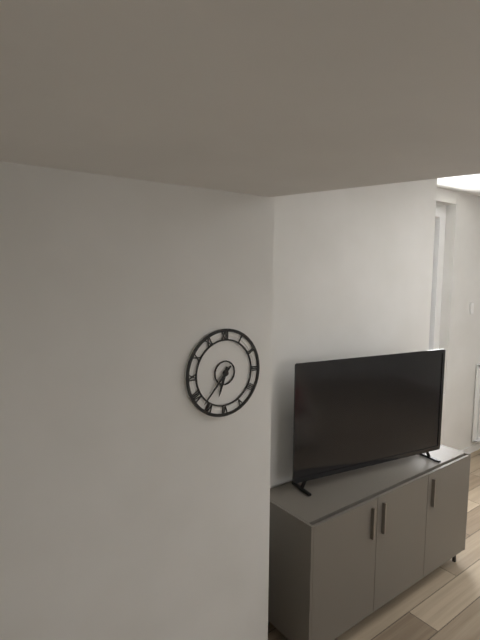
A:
h=6 m=37
